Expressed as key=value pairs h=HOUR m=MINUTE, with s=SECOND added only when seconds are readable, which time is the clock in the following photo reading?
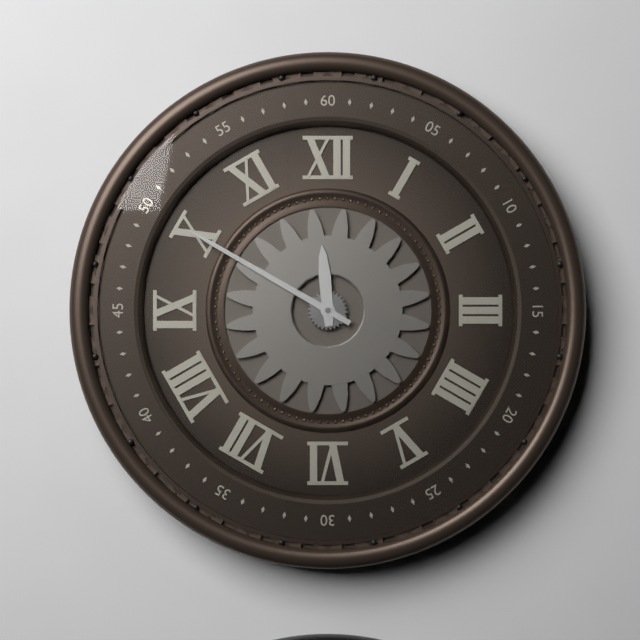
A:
h=11 m=50
